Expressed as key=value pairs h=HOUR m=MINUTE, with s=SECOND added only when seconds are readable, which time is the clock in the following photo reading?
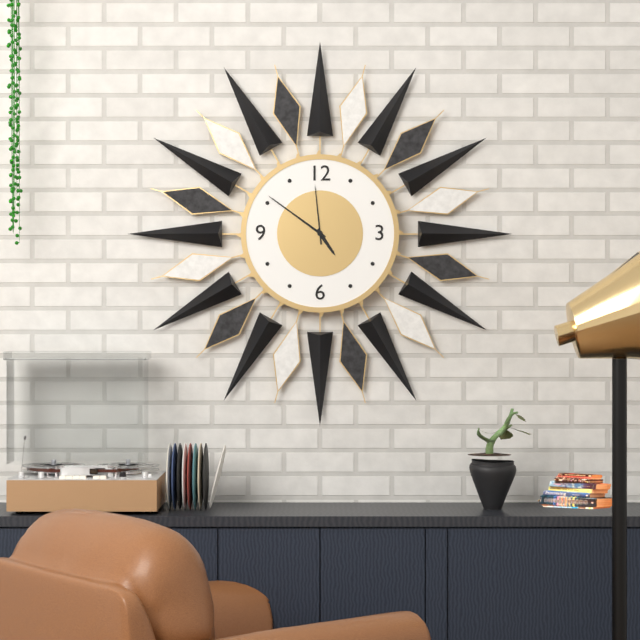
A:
h=4 m=51 s=59
